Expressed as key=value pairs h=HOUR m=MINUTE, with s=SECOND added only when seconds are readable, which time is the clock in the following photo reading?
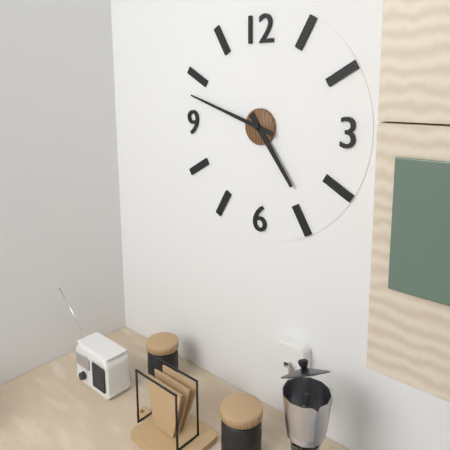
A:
h=4 m=48
